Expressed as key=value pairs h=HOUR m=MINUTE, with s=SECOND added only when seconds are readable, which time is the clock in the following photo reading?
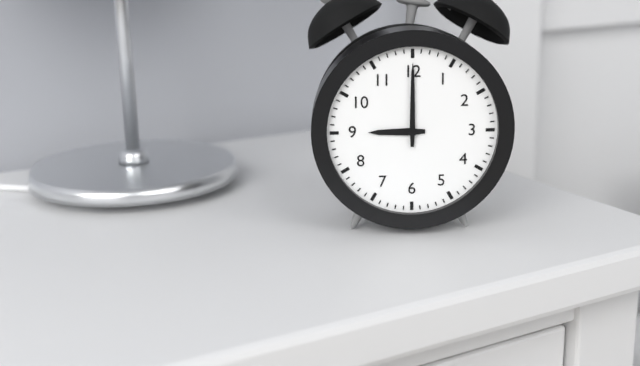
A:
h=9 m=0
